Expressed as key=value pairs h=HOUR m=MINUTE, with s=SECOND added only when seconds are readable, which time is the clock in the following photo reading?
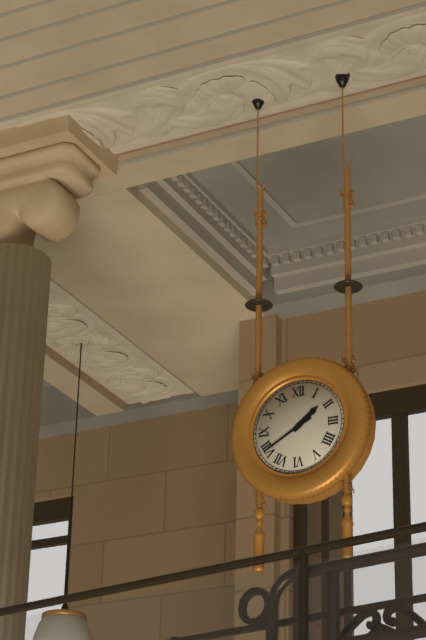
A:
h=1 m=40
